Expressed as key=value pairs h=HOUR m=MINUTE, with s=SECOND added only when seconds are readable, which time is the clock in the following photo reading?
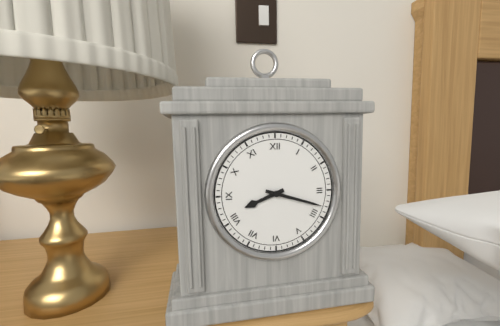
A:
h=8 m=18
